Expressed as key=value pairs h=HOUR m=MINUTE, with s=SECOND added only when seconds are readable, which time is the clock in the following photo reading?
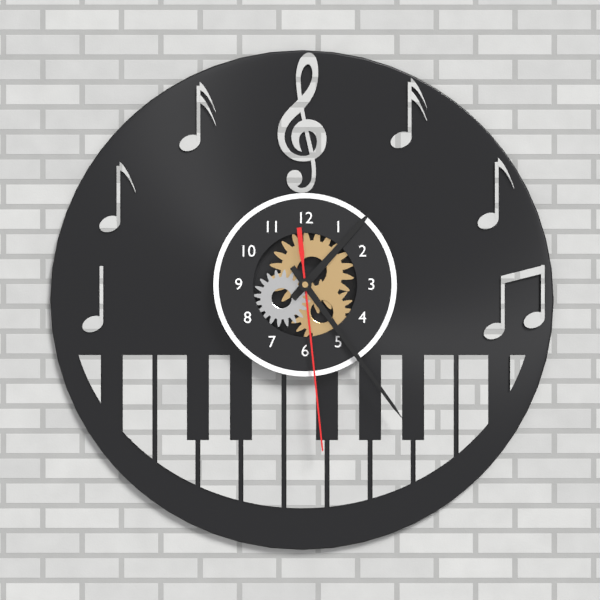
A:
h=1 m=24 s=29
